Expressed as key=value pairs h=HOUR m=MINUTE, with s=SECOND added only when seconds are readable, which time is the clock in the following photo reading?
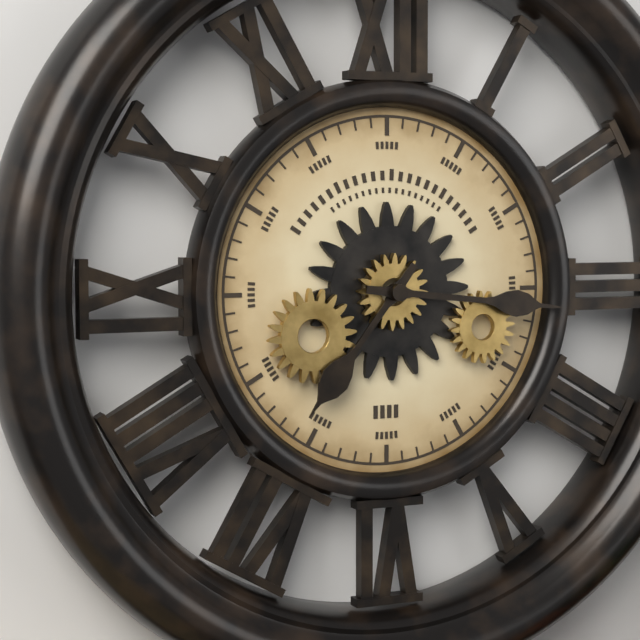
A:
h=7 m=16
